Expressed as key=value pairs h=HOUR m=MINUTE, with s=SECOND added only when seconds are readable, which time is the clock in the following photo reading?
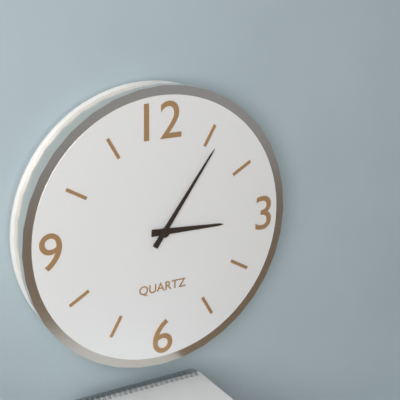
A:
h=3 m=6
